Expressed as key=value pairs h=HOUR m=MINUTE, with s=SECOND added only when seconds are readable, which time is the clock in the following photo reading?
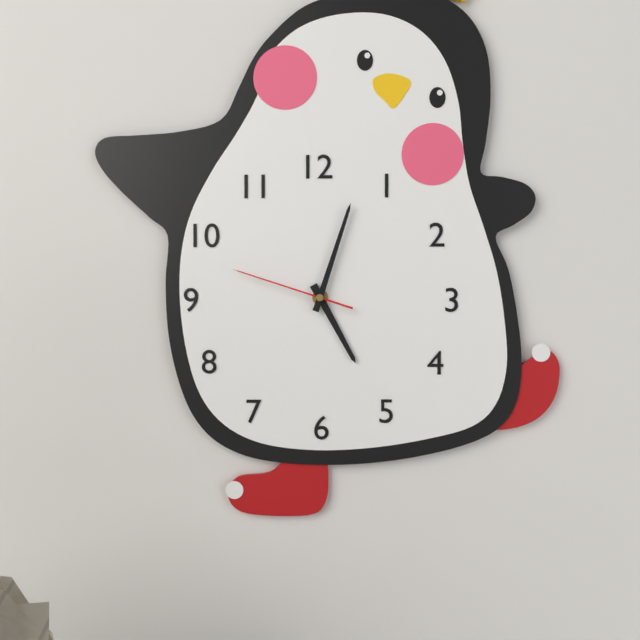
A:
h=5 m=3 s=48
